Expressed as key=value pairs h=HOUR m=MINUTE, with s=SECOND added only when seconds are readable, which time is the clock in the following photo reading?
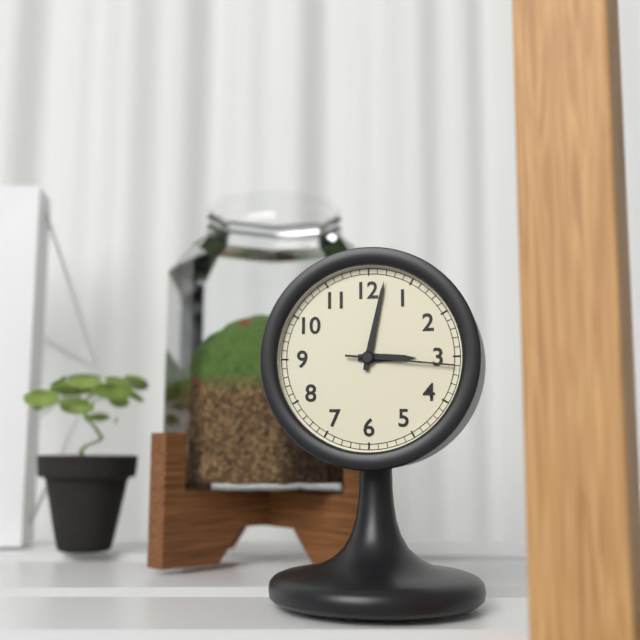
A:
h=3 m=2 s=16
